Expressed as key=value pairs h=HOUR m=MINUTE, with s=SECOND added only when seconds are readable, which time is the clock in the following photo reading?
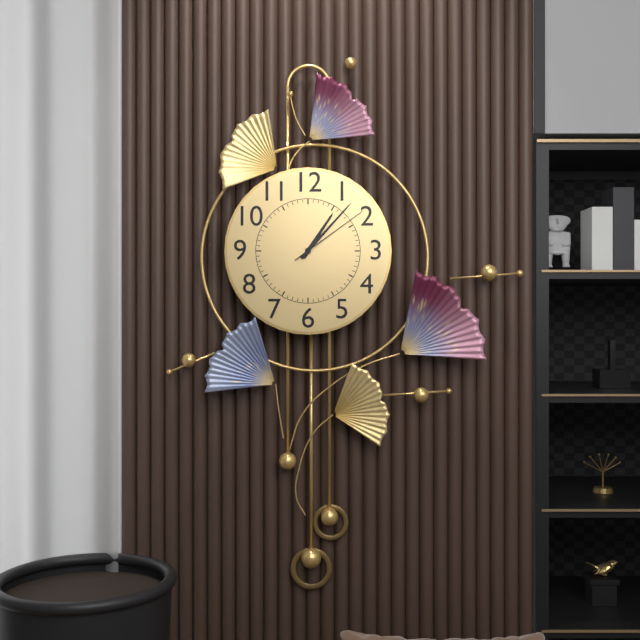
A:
h=1 m=7 s=9
